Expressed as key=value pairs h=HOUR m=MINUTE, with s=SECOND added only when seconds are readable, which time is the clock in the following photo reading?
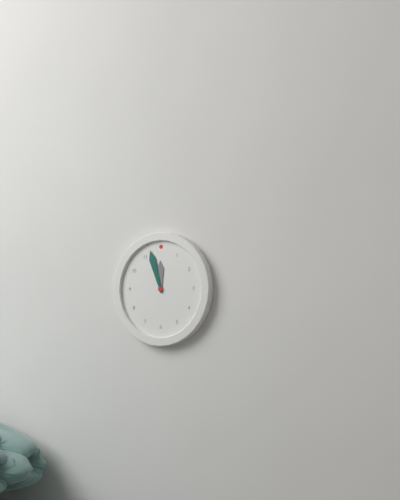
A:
h=11 m=57
